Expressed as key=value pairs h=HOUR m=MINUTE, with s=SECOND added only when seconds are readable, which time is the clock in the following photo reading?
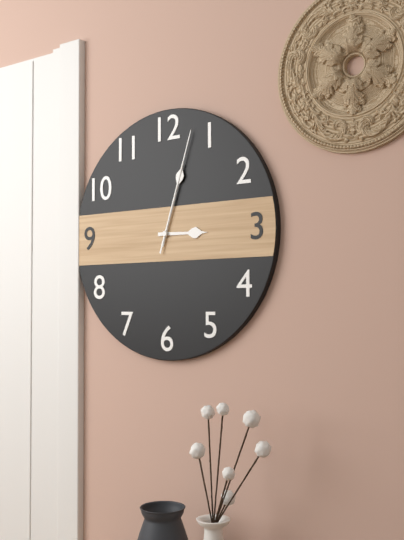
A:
h=3 m=3 s=3
